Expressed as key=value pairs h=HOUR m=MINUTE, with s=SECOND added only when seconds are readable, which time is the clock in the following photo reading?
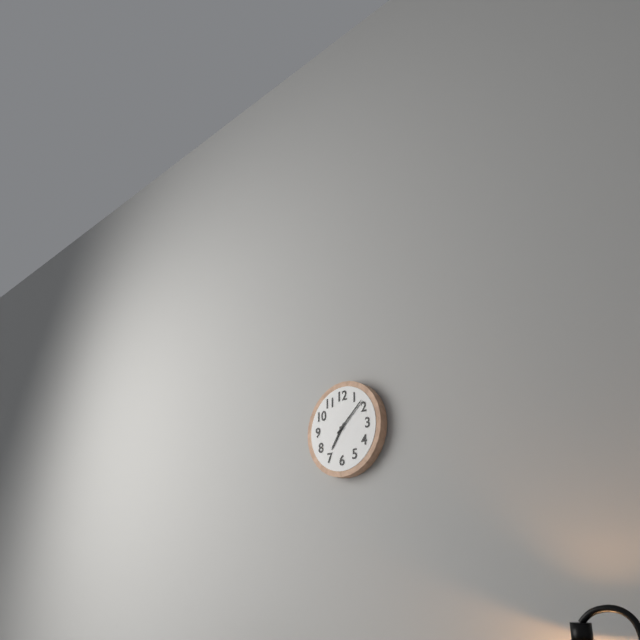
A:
h=7 m=8
